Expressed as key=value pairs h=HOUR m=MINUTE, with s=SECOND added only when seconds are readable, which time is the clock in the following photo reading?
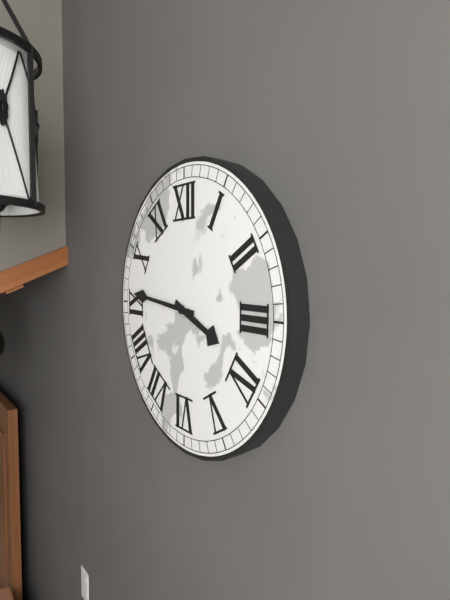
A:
h=3 m=46
